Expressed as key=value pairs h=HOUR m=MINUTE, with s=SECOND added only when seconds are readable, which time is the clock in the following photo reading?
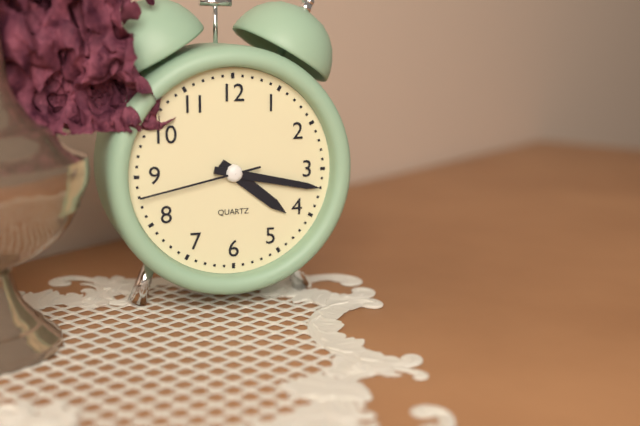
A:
h=4 m=17 s=43
